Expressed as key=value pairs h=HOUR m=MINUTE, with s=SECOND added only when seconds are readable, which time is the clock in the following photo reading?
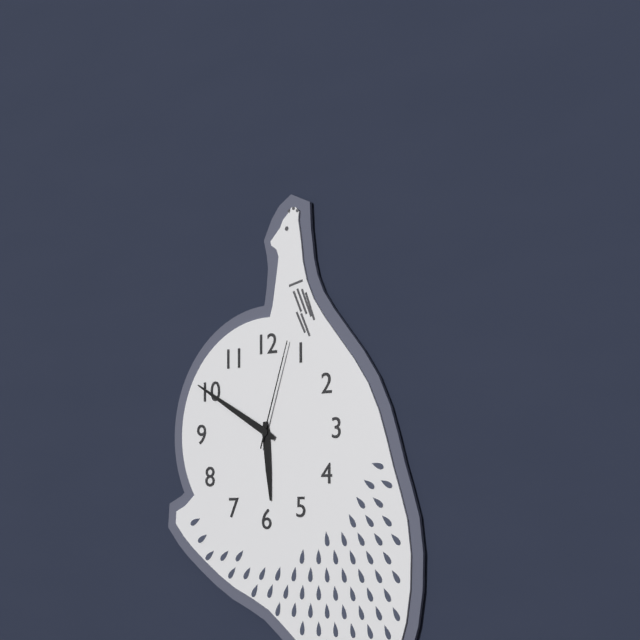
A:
h=5 m=50 s=3
